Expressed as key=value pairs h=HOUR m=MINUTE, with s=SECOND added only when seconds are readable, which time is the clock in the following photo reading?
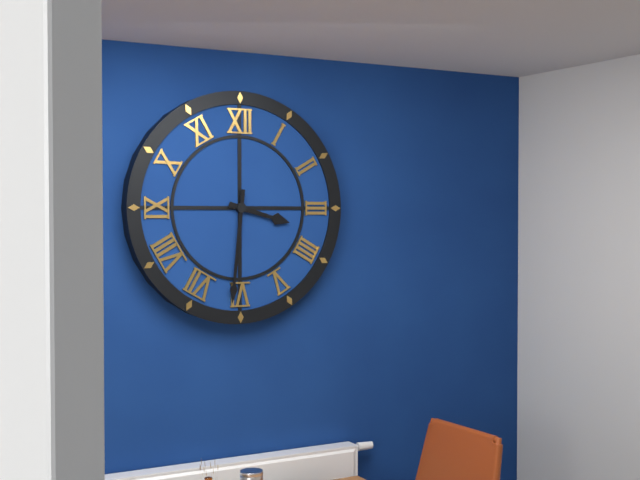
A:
h=3 m=31
